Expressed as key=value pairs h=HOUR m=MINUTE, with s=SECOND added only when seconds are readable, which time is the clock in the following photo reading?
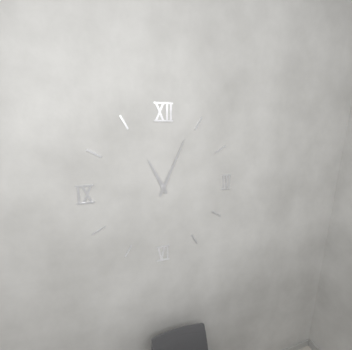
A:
h=11 m=4
